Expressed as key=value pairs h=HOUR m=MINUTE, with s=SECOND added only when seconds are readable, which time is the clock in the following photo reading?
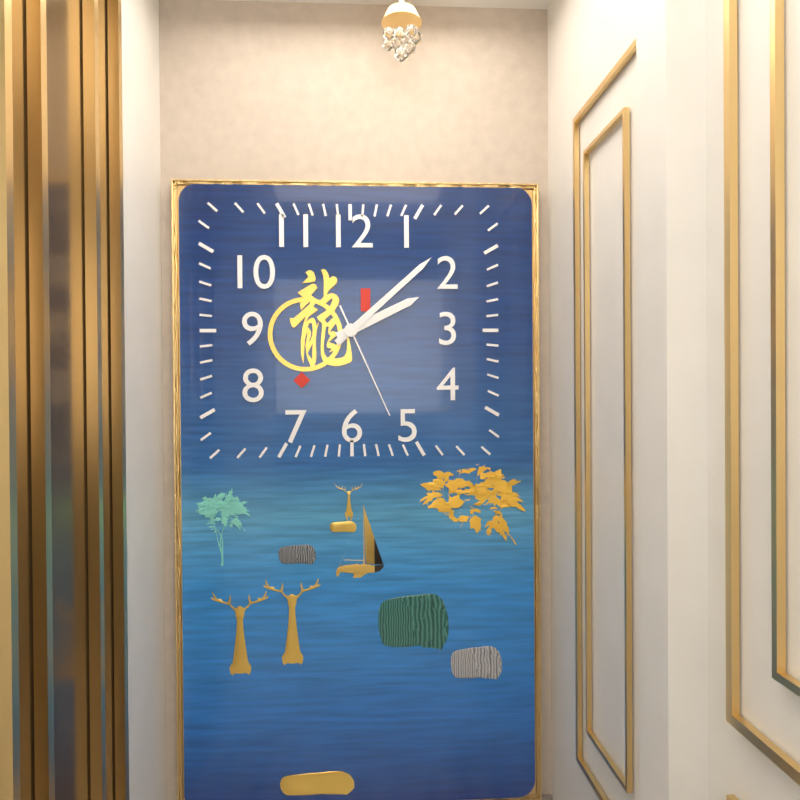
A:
h=2 m=8 s=26
